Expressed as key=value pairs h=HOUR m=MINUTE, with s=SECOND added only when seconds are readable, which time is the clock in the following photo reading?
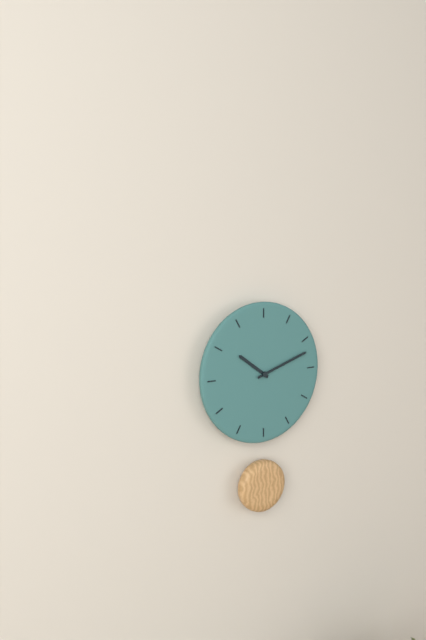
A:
h=10 m=12
